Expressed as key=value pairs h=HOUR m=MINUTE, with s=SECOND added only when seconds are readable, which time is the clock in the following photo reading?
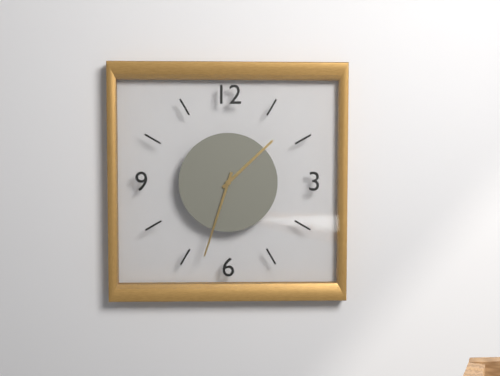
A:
h=1 m=33
